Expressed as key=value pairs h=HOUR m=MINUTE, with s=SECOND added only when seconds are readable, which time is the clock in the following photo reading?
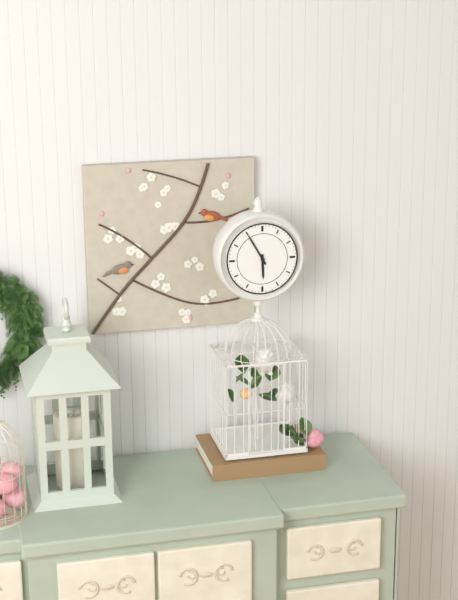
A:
h=5 m=55
